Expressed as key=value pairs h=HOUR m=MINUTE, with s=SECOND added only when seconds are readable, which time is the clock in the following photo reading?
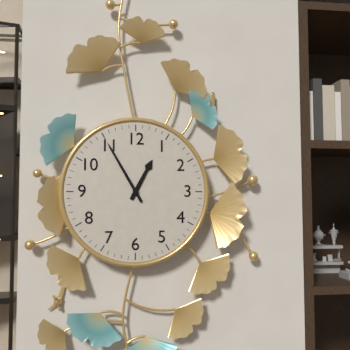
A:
h=12 m=55
